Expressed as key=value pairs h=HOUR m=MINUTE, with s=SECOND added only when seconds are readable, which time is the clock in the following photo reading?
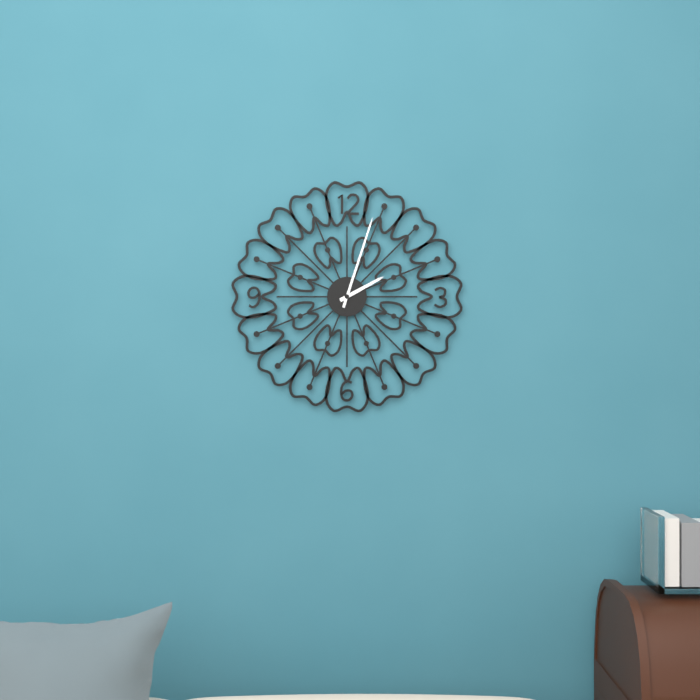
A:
h=2 m=3
